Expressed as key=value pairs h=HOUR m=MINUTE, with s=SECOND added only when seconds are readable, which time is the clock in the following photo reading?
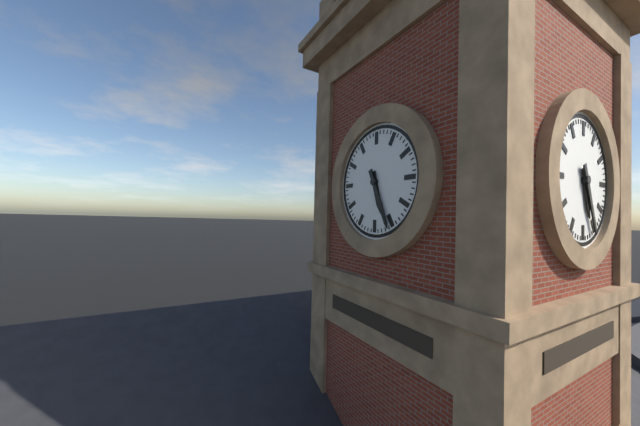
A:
h=5 m=26
